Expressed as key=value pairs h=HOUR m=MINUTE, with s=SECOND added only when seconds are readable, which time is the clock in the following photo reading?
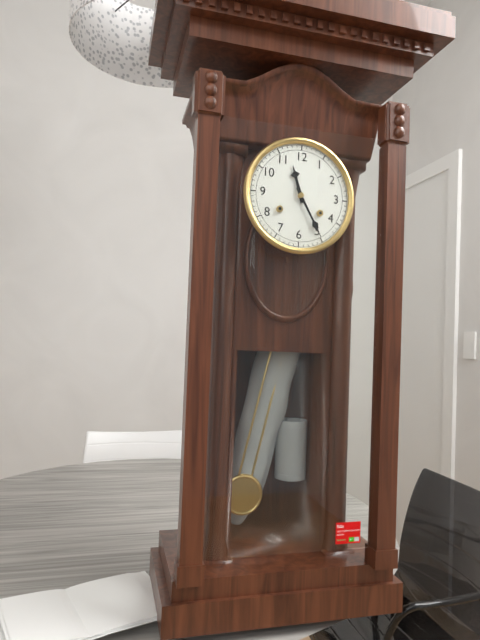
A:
h=11 m=25
